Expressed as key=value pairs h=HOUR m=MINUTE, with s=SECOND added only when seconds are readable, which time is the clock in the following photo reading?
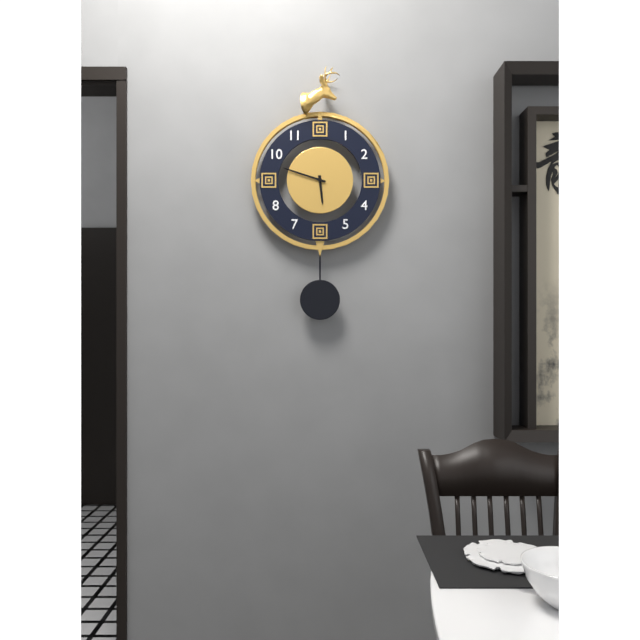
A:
h=5 m=48
